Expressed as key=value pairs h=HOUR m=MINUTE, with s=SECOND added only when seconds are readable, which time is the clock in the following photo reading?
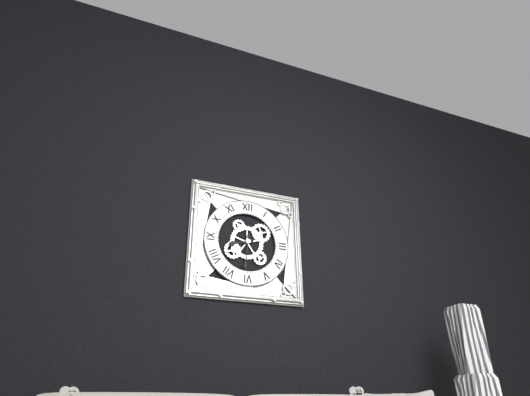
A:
h=8 m=31
